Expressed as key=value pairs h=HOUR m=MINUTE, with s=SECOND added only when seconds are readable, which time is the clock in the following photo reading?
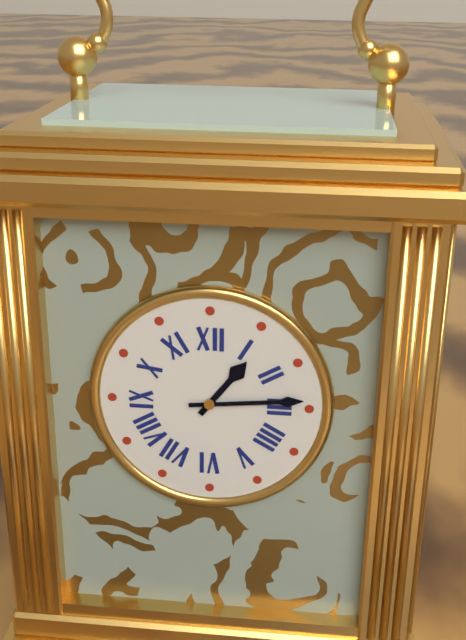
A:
h=1 m=14
